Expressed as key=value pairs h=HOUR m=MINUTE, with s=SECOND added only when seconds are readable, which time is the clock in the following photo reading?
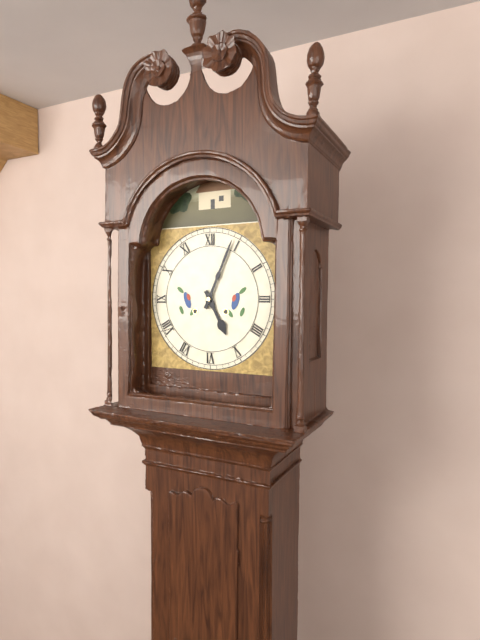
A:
h=5 m=4
